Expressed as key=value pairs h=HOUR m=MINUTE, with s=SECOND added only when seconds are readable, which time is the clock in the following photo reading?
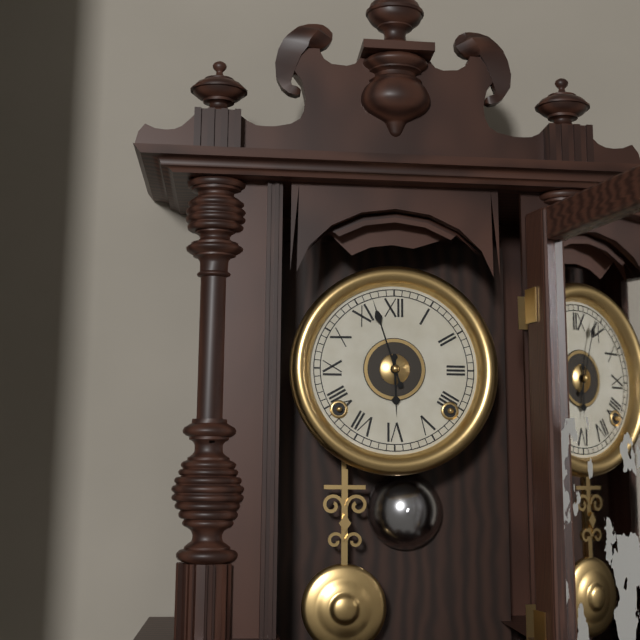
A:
h=5 m=57
